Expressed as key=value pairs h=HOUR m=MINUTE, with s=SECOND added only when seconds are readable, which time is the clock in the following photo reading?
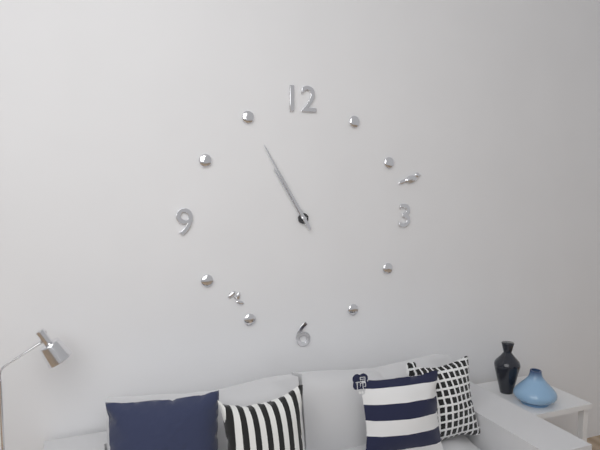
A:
h=10 m=55
